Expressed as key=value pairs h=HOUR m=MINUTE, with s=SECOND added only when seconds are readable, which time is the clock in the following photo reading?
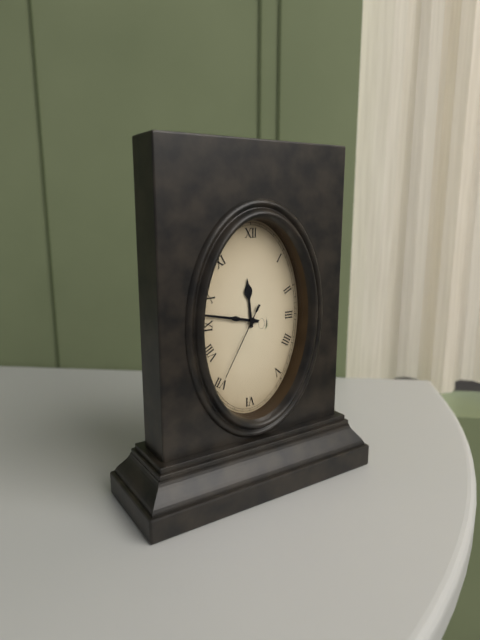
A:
h=11 m=47 s=35
